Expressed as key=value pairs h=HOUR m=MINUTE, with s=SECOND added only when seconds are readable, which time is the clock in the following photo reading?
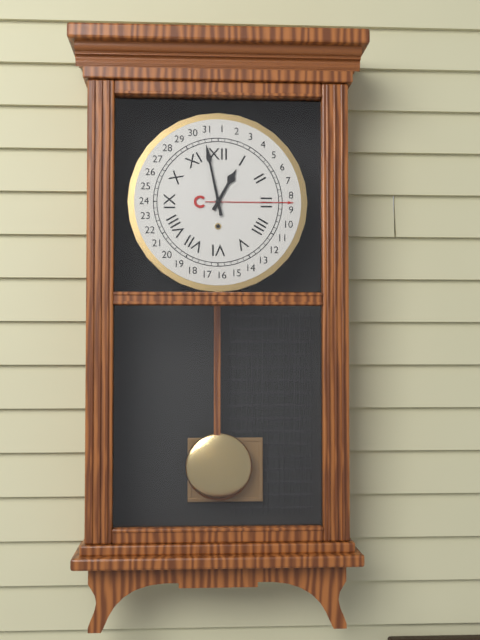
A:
h=12 m=58
